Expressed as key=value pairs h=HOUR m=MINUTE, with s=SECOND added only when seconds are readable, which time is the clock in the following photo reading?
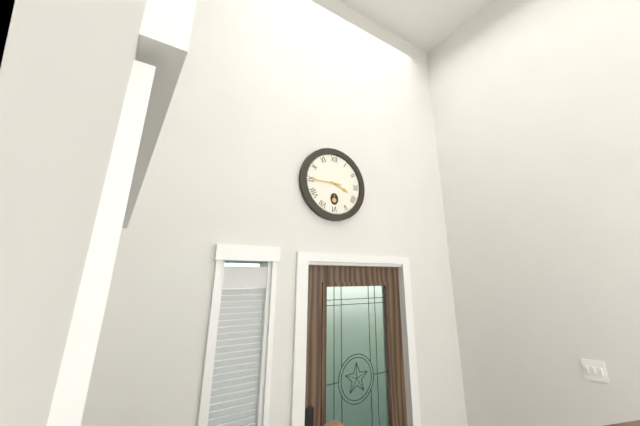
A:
h=3 m=45
